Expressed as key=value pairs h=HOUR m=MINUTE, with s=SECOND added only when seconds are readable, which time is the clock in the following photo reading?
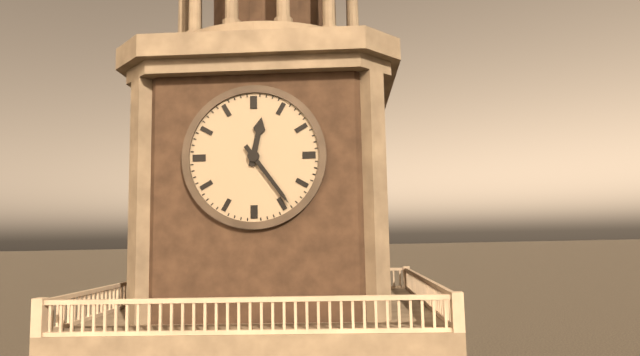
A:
h=12 m=24
